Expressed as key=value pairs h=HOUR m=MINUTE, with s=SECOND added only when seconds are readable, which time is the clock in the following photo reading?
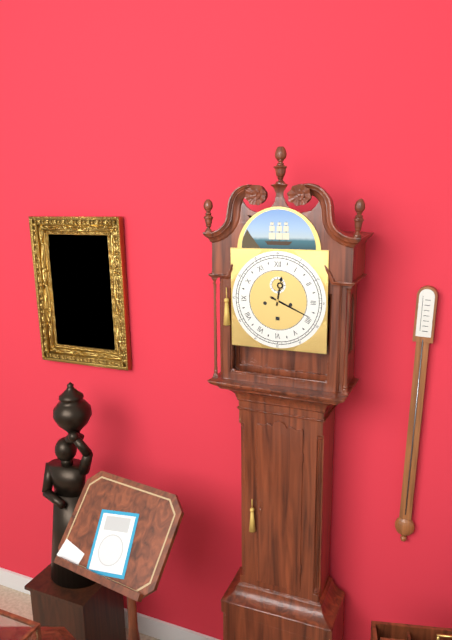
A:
h=12 m=19
